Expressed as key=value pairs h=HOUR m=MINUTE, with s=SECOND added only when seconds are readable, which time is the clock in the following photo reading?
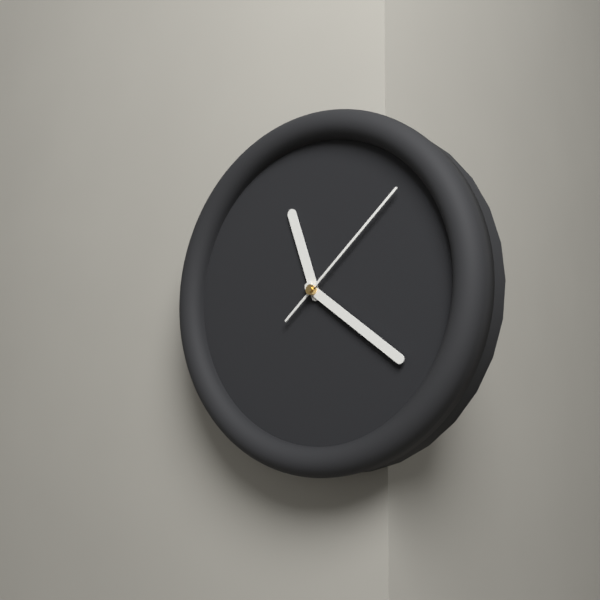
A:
h=11 m=21 s=8
